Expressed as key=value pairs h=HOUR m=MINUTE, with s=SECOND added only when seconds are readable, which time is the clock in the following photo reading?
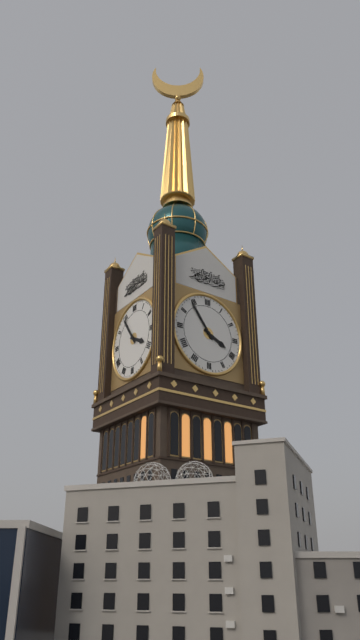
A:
h=3 m=54
